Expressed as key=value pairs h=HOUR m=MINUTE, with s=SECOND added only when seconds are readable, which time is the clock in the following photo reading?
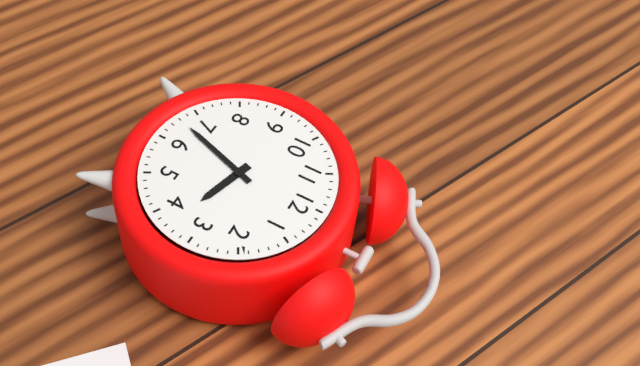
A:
h=3 m=33
